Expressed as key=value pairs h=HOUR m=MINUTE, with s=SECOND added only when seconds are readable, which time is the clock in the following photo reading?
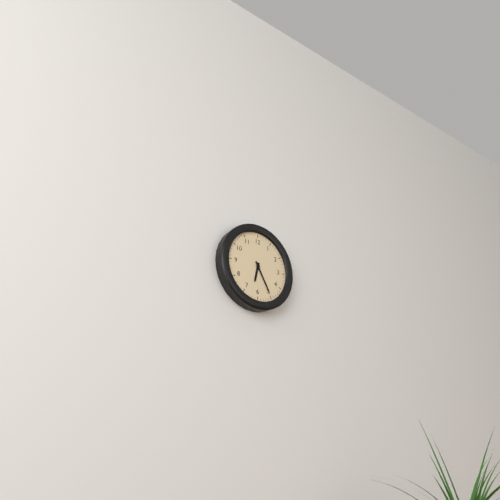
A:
h=6 m=25
